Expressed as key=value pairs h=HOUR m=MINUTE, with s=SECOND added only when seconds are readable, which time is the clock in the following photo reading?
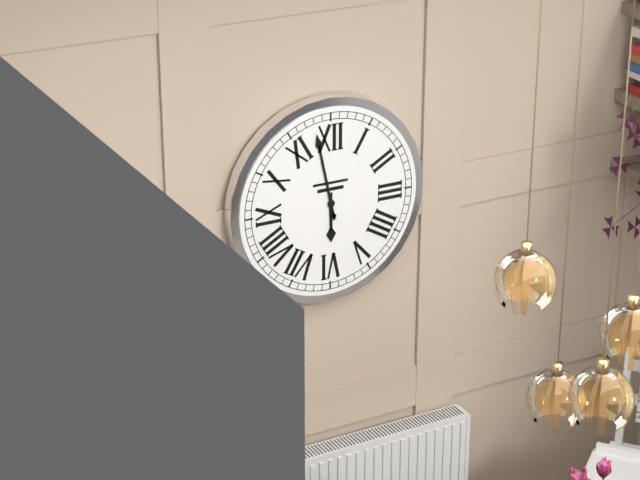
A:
h=5 m=58
